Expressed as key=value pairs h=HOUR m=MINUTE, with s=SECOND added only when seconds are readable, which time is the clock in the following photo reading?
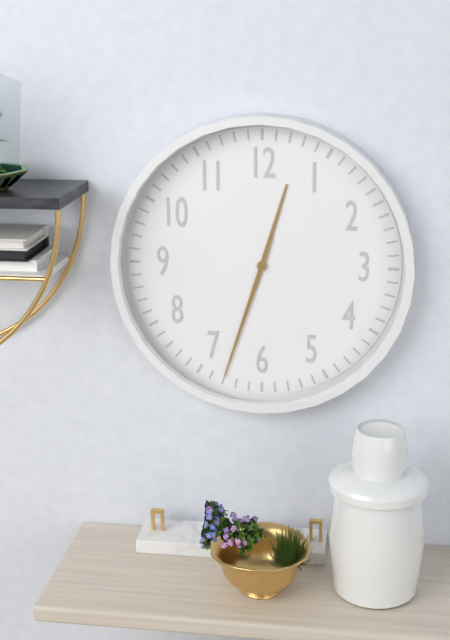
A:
h=12 m=33
